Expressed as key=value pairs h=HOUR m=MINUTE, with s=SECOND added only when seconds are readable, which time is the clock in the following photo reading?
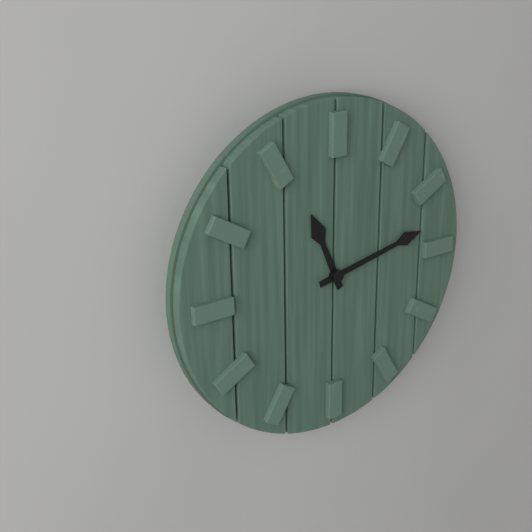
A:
h=11 m=13
